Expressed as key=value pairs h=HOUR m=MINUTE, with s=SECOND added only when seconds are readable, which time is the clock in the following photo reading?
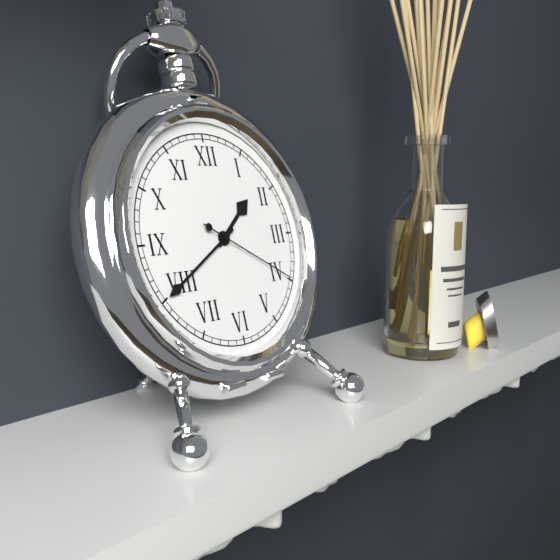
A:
h=1 m=40 s=20
